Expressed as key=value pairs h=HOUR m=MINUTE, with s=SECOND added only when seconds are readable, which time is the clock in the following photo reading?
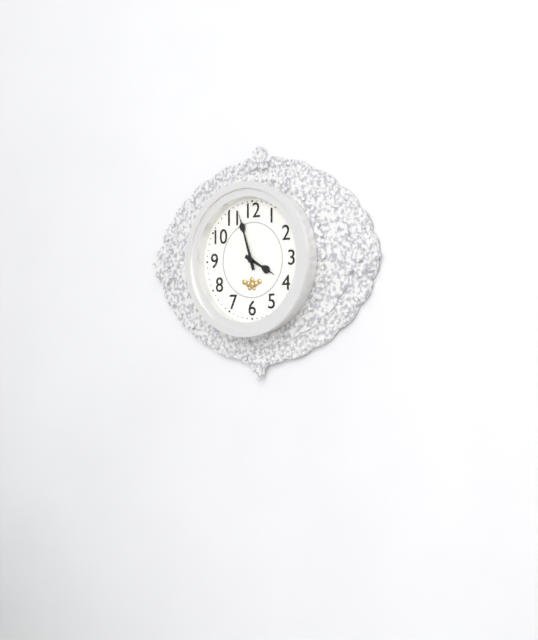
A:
h=3 m=57
